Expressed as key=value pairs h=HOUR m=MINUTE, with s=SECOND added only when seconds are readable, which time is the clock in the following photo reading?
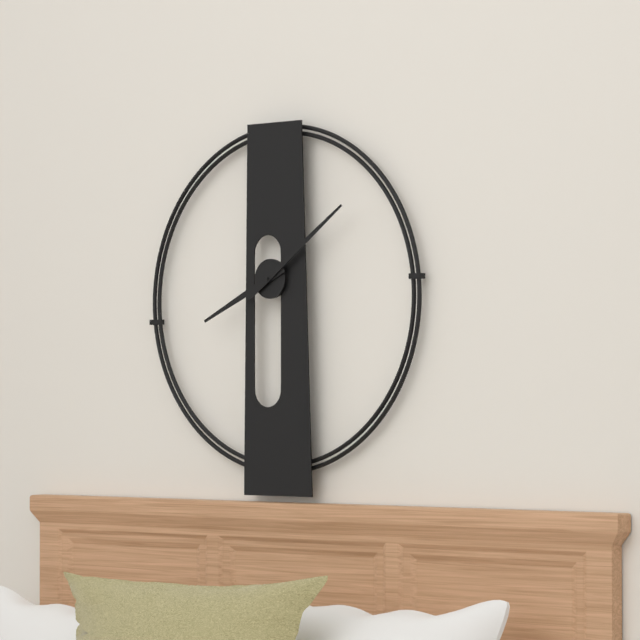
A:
h=8 m=9
